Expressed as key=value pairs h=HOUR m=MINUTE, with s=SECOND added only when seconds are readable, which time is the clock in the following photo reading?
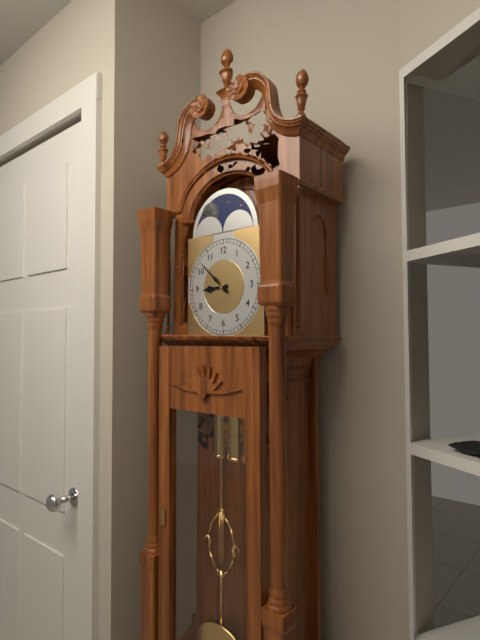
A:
h=8 m=52
